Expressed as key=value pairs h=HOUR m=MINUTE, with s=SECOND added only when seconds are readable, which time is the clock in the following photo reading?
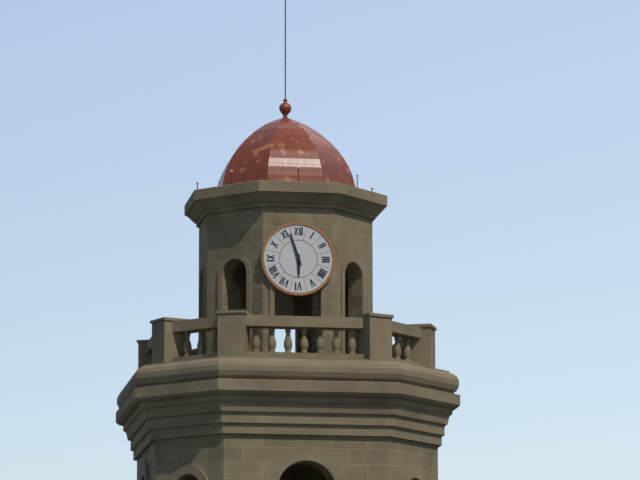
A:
h=5 m=57
